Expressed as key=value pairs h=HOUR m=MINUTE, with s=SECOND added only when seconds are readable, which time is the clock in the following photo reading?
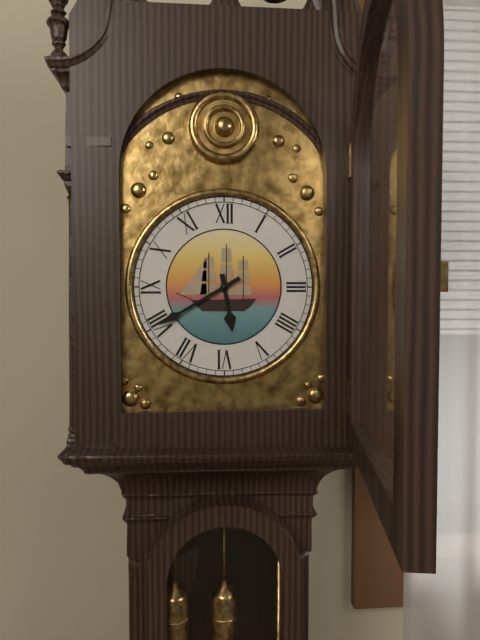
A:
h=5 m=40
